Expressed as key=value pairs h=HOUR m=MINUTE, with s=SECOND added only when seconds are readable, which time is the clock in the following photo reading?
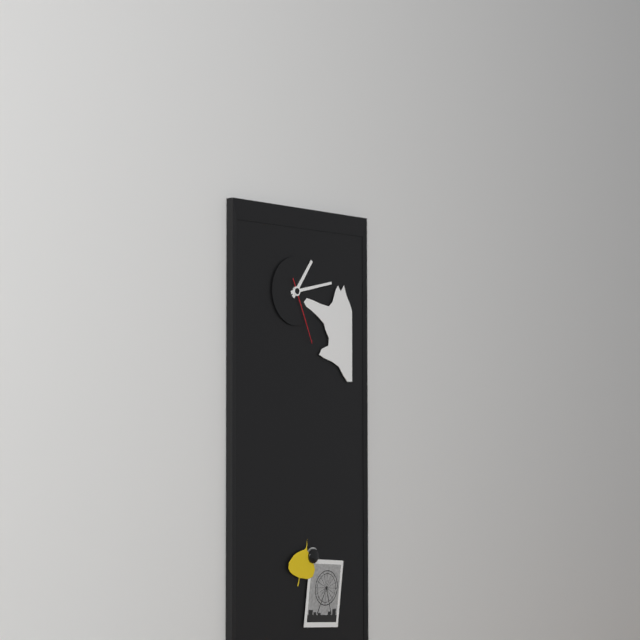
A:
h=1 m=13 s=26
